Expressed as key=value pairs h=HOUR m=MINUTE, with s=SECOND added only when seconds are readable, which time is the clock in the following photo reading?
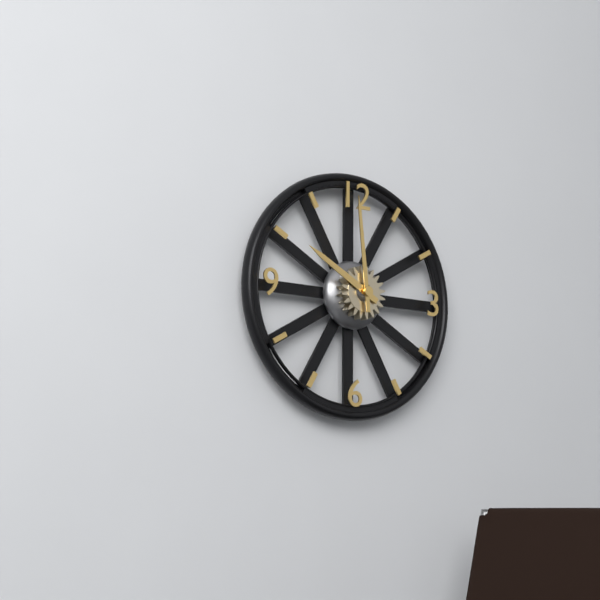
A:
h=9 m=59
